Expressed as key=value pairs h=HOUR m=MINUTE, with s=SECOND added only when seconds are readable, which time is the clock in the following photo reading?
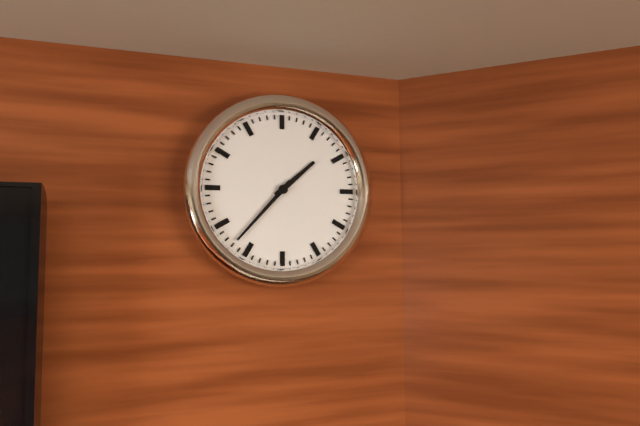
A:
h=1 m=37
